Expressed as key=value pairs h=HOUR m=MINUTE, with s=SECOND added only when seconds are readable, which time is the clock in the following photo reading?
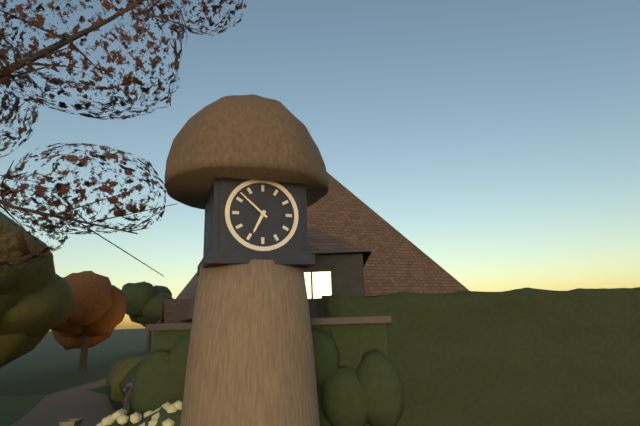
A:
h=6 m=52
